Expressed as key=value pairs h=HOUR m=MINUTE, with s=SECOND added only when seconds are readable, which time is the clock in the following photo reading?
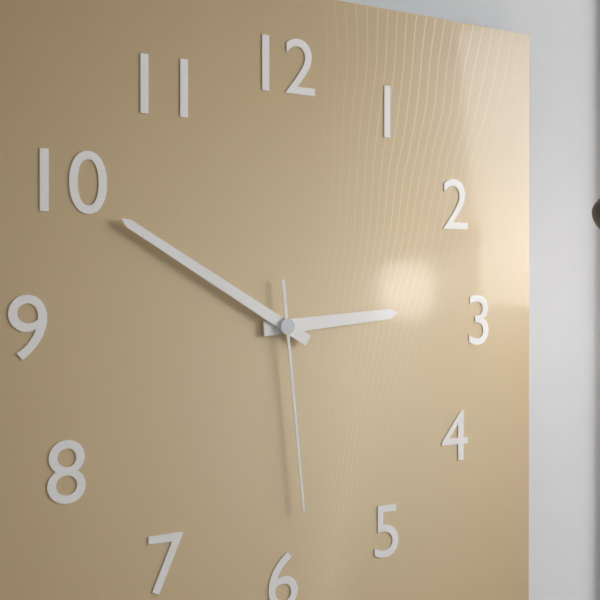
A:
h=2 m=50 s=29
